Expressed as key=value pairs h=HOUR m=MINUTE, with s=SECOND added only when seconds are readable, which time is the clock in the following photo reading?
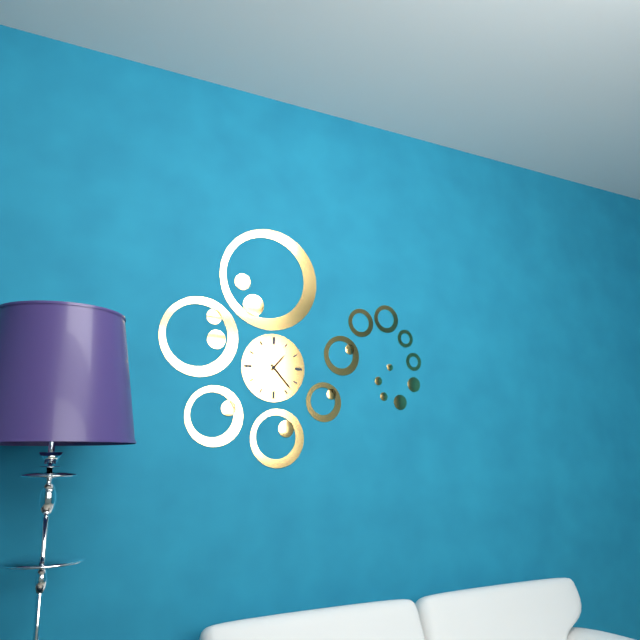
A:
h=1 m=23
